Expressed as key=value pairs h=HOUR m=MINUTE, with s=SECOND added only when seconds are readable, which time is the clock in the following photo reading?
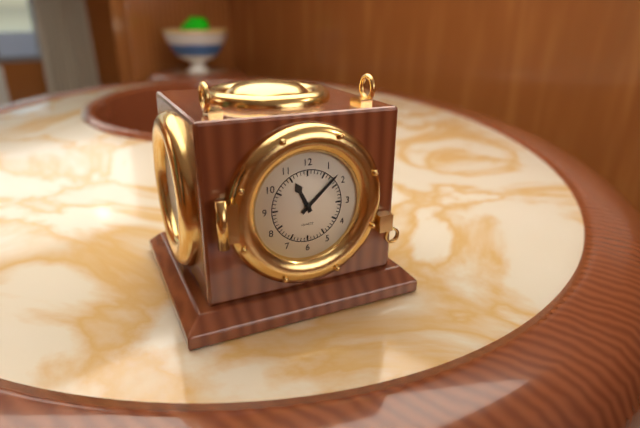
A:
h=11 m=8
